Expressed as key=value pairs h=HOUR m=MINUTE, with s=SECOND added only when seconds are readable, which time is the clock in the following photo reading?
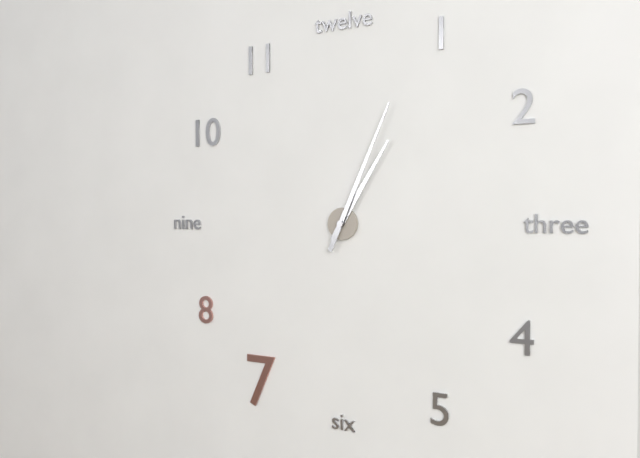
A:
h=1 m=4
